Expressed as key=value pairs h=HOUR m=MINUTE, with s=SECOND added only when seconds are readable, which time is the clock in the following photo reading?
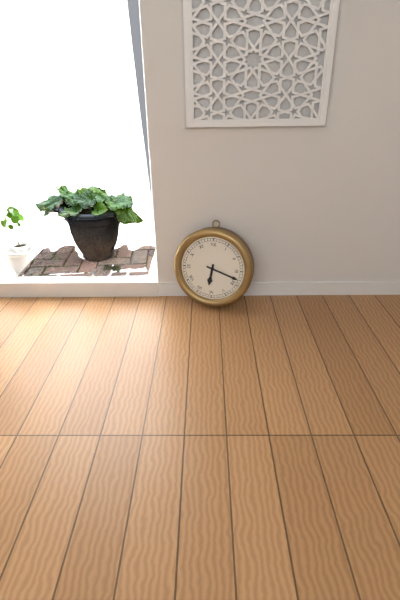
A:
h=6 m=18
